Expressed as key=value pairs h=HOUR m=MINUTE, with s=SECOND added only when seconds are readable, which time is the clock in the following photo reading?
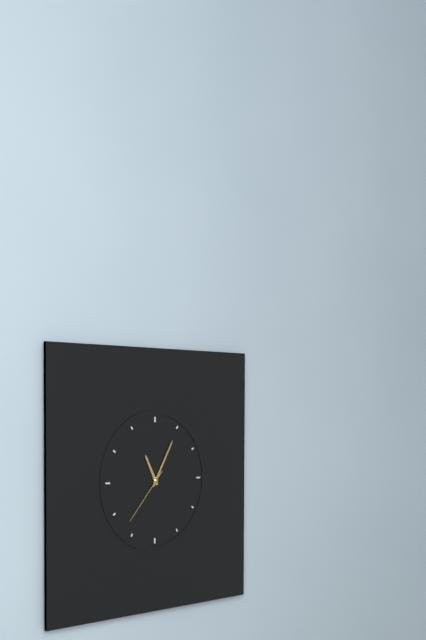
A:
h=11 m=5 s=37
